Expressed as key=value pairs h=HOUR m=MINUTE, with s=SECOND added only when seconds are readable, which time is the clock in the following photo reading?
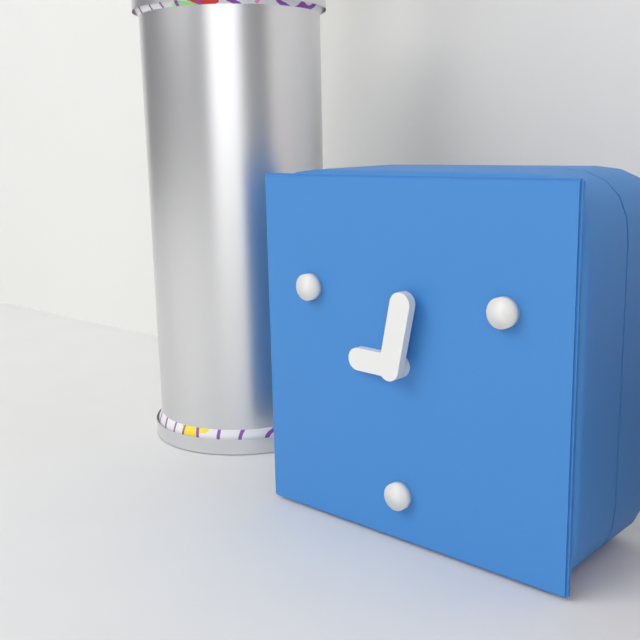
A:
h=9 m=2
